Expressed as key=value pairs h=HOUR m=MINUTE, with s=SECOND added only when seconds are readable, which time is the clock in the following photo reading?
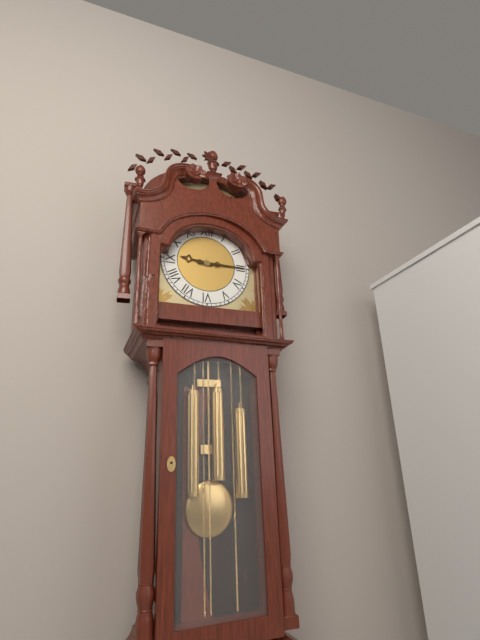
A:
h=9 m=15
